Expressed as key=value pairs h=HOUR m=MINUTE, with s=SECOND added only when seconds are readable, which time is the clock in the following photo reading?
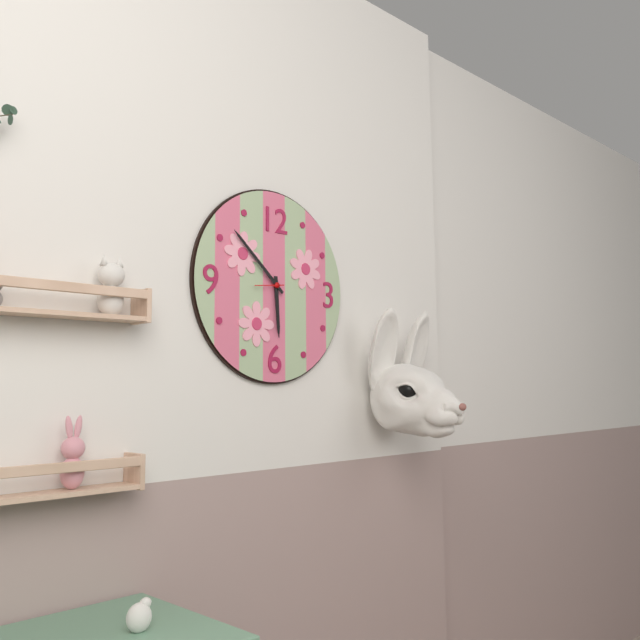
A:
h=5 m=52
